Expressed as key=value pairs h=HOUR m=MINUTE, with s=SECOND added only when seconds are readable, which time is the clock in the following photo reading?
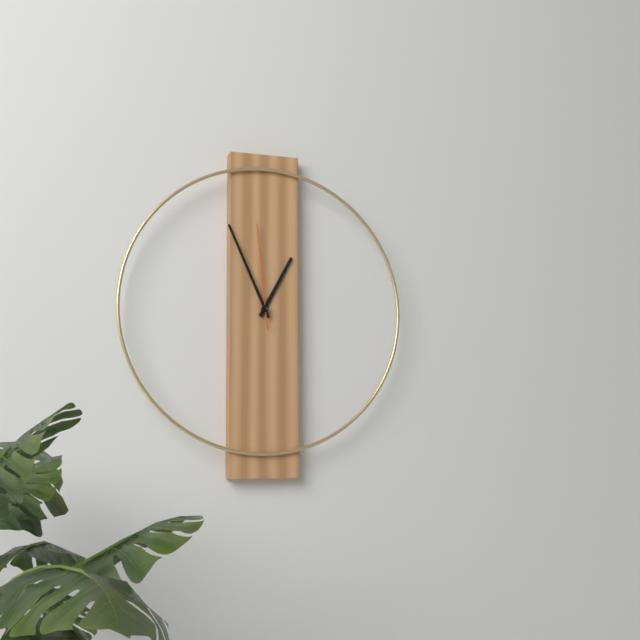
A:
h=12 m=56 s=59
